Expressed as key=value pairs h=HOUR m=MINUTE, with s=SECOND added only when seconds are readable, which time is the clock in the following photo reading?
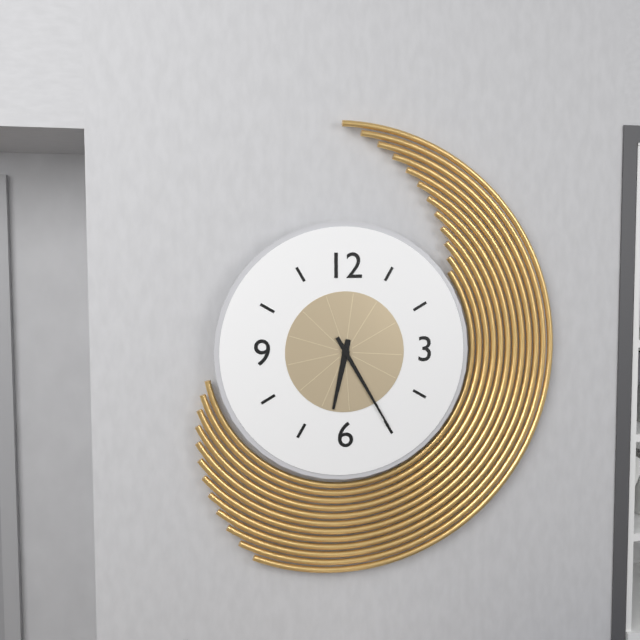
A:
h=6 m=25
